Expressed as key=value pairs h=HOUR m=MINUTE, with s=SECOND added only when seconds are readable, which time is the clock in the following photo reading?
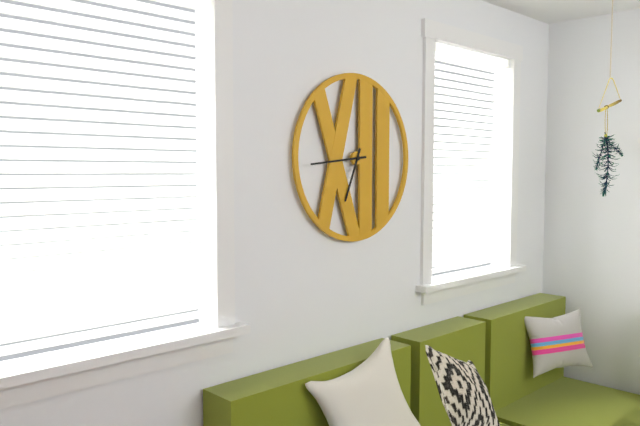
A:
h=6 m=44
